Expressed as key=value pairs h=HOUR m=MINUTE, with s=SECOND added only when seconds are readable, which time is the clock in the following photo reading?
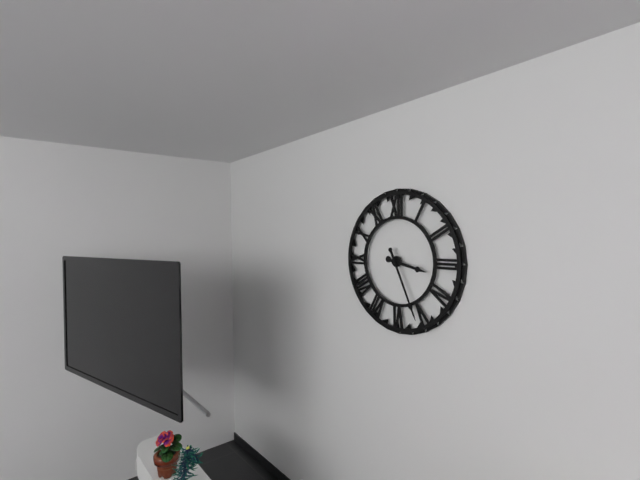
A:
h=3 m=26
